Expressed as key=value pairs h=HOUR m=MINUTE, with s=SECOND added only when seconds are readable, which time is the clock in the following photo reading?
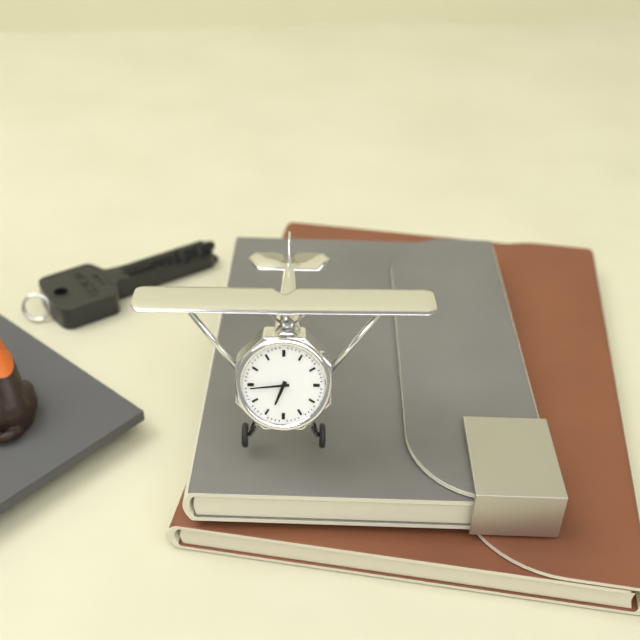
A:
h=6 m=44
